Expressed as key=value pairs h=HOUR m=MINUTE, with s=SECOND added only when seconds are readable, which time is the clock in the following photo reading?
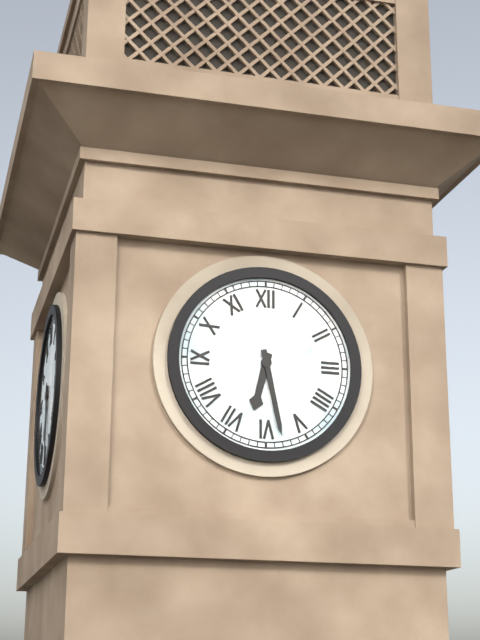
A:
h=6 m=28
